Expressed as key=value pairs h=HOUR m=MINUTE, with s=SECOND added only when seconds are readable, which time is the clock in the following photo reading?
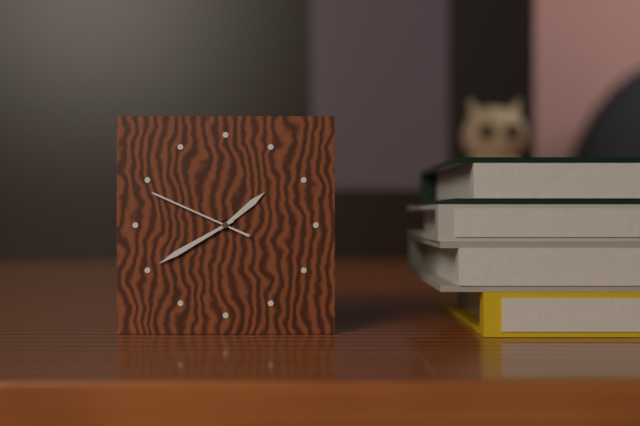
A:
h=1 m=40 s=49
